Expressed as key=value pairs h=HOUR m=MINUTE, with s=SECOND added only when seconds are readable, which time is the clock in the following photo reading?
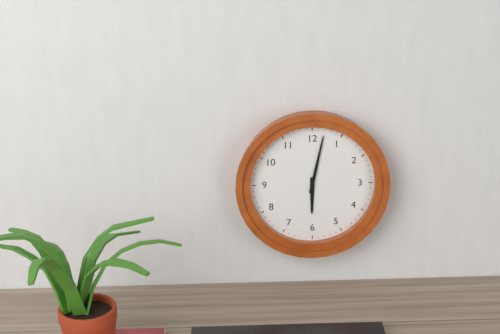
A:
h=6 m=2
